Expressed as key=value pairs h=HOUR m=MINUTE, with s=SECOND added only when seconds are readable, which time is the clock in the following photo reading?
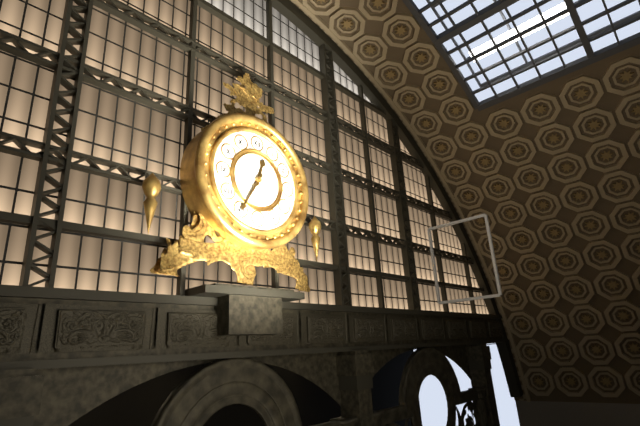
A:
h=12 m=35
